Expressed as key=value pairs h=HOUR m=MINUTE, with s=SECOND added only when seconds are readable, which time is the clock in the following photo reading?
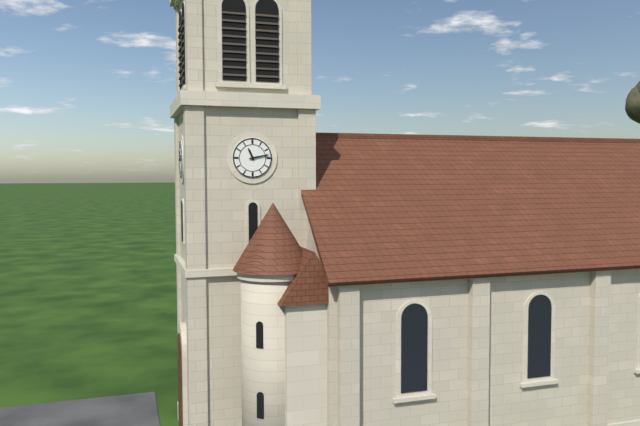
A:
h=11 m=13
